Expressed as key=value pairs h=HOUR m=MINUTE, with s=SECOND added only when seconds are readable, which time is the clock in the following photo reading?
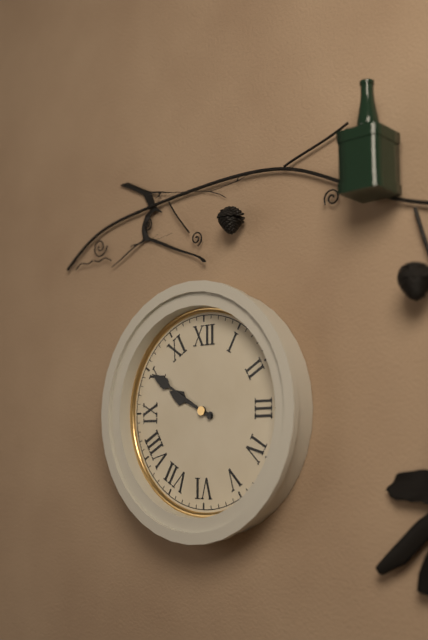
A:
h=9 m=50
